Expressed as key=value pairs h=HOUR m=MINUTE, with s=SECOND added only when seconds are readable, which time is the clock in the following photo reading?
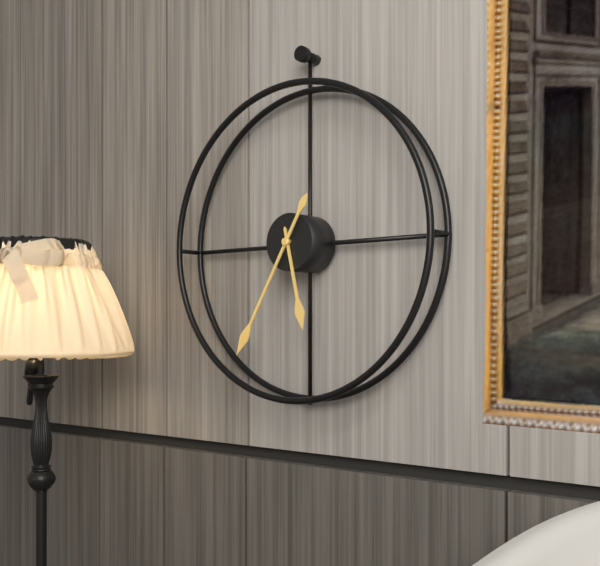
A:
h=5 m=35
